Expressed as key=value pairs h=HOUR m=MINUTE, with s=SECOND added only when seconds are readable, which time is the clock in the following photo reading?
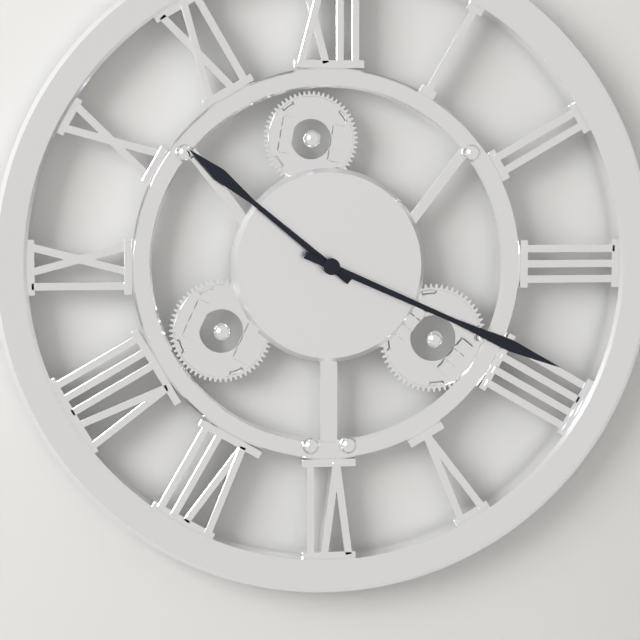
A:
h=10 m=19
